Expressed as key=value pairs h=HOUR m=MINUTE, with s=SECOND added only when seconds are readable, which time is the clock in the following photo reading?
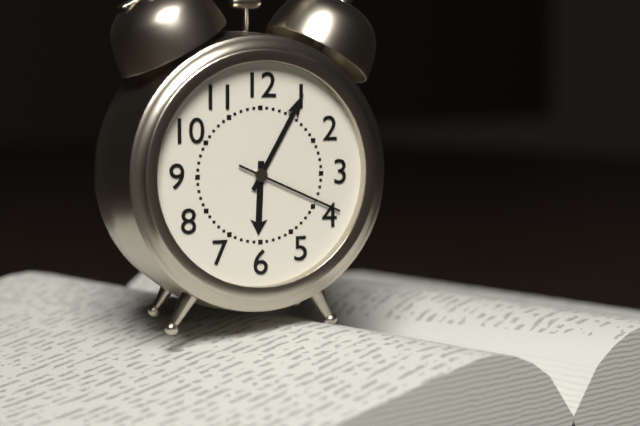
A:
h=6 m=5 s=19
